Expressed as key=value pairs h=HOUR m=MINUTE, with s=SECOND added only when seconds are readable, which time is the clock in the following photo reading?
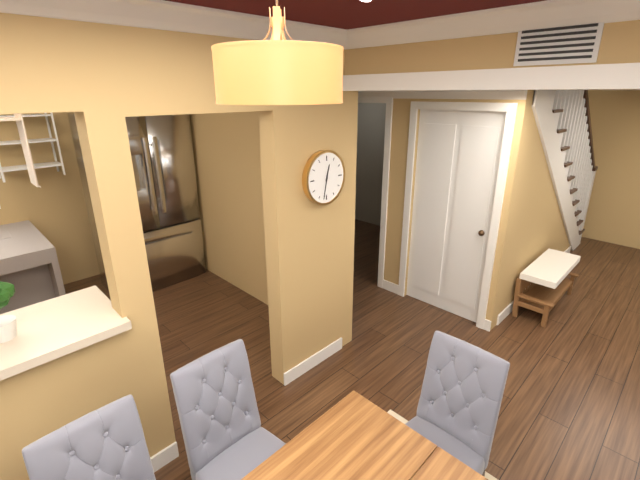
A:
h=12 m=32
